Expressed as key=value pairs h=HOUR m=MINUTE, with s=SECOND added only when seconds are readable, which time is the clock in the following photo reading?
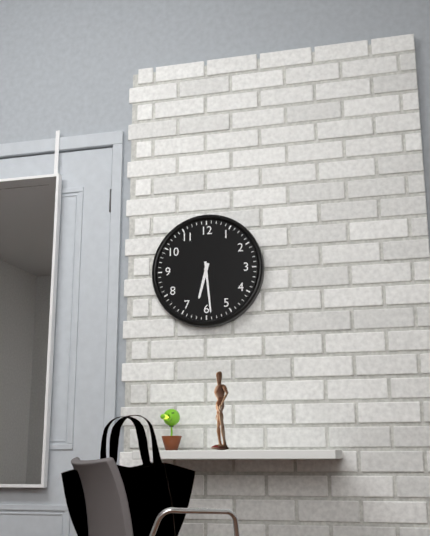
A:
h=6 m=29
